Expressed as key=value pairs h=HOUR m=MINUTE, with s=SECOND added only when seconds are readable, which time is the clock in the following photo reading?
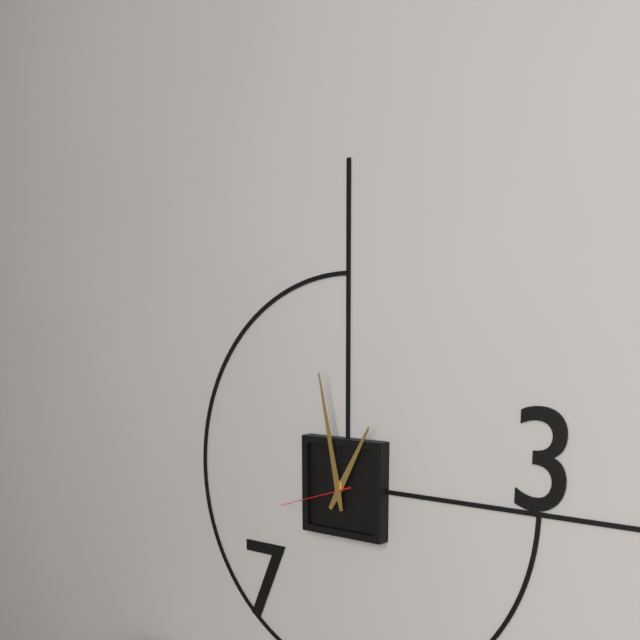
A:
h=12 m=58 s=42
